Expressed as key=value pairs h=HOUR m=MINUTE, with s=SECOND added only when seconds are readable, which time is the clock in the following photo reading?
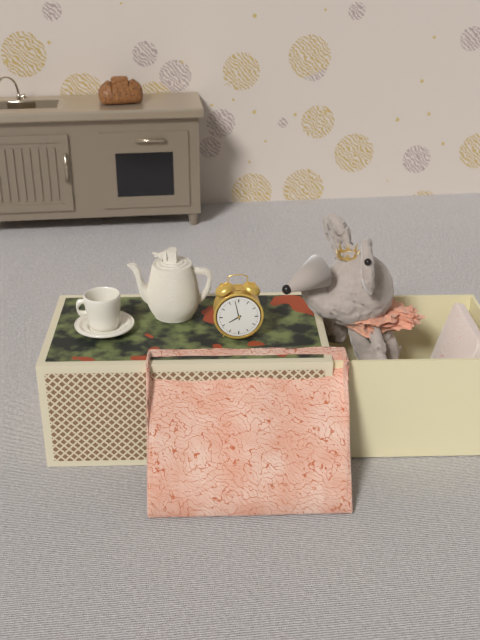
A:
h=7 m=58
